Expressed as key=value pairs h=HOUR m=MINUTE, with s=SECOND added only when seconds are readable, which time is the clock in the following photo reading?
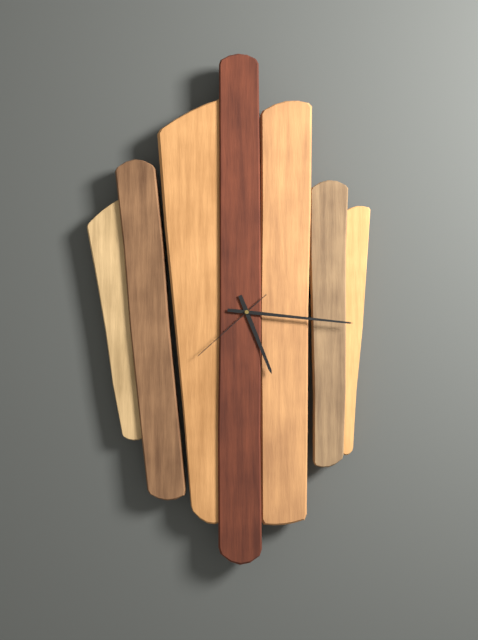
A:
h=5 m=16 s=38
